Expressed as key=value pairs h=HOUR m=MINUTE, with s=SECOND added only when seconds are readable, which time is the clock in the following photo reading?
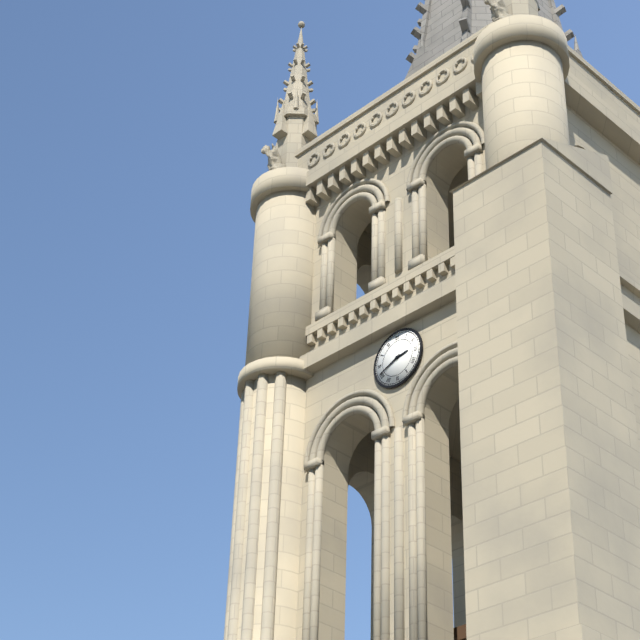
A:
h=2 m=41
